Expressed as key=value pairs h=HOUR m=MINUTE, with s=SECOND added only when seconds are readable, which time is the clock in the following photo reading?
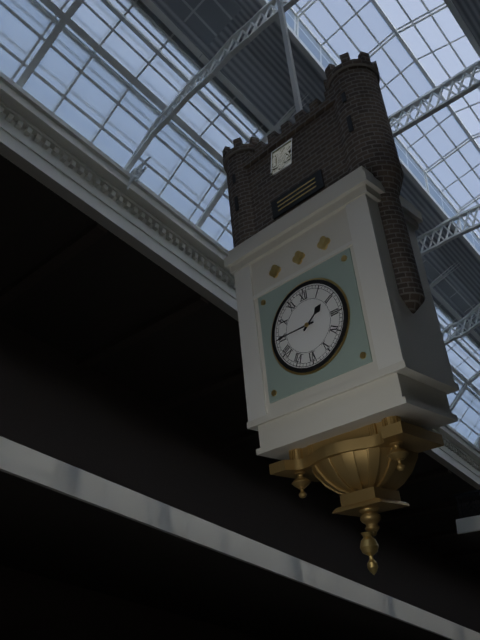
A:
h=1 m=45
